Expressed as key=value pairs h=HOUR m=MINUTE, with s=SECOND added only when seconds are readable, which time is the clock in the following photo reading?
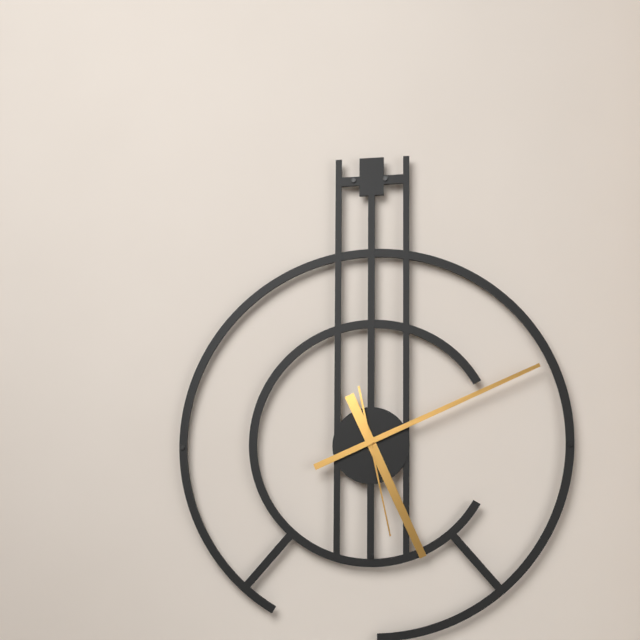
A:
h=5 m=11 s=28
